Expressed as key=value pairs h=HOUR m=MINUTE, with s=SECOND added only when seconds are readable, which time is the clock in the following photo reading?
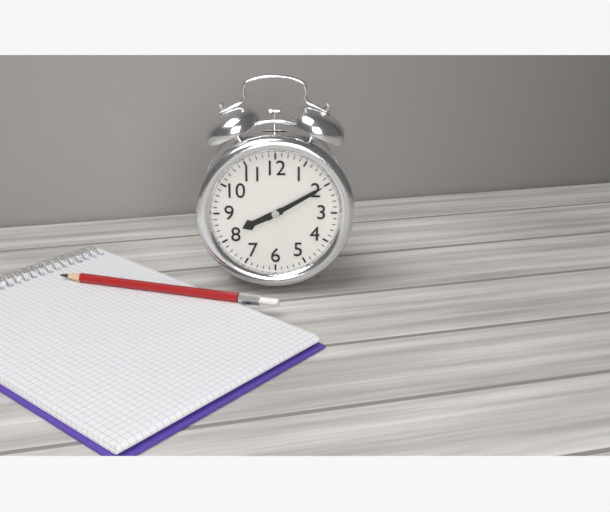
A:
h=8 m=10
